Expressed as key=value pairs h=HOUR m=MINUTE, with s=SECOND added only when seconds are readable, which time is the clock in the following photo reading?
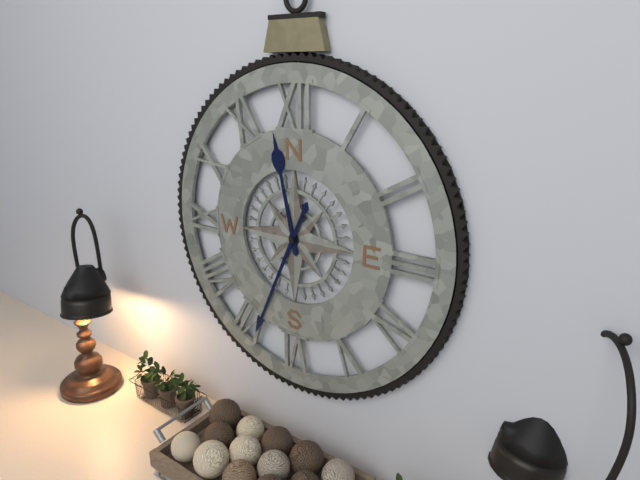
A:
h=11 m=34
